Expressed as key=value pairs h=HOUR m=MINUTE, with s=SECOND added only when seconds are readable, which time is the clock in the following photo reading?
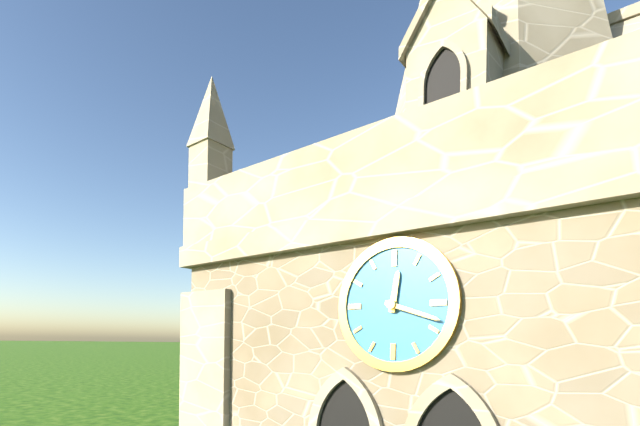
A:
h=12 m=18
